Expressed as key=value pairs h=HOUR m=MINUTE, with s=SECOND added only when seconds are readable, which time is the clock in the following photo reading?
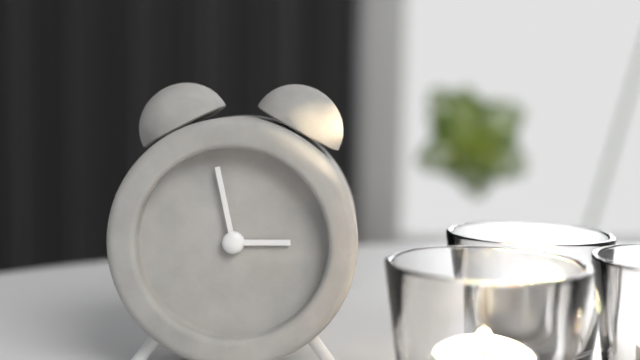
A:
h=2 m=58
